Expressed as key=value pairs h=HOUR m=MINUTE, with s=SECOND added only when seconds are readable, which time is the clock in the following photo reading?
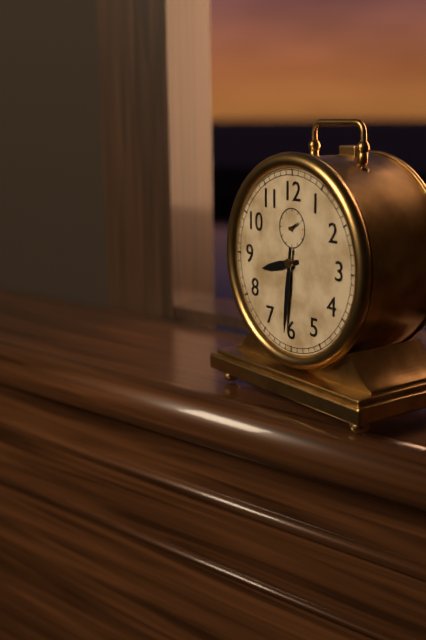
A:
h=8 m=31
